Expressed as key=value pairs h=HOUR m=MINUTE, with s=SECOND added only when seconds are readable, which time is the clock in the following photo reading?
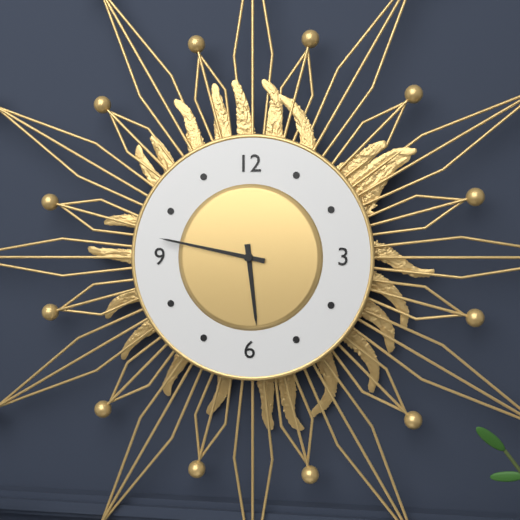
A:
h=5 m=47
